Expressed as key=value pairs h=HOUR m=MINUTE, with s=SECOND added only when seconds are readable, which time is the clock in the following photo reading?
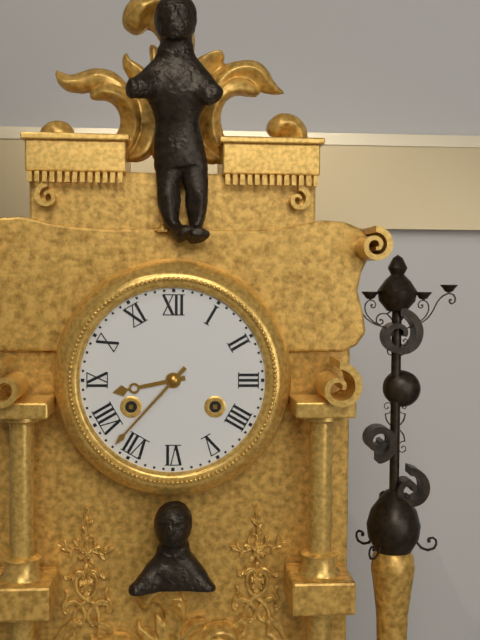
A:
h=8 m=37
